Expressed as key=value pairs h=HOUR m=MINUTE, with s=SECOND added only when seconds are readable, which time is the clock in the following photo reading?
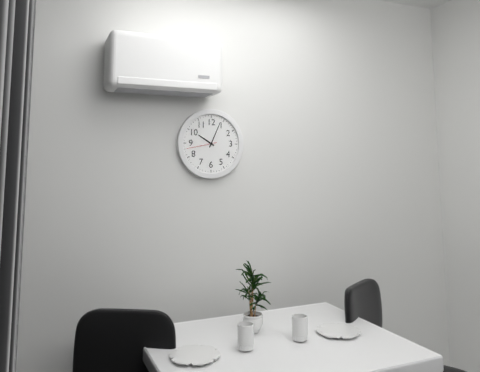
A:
h=10 m=4
